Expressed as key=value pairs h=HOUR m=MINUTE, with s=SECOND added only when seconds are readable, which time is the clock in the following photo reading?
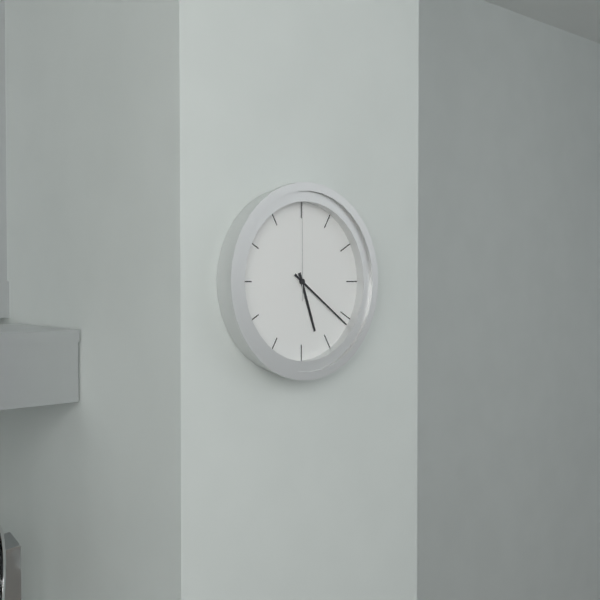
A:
h=5 m=21 s=0
